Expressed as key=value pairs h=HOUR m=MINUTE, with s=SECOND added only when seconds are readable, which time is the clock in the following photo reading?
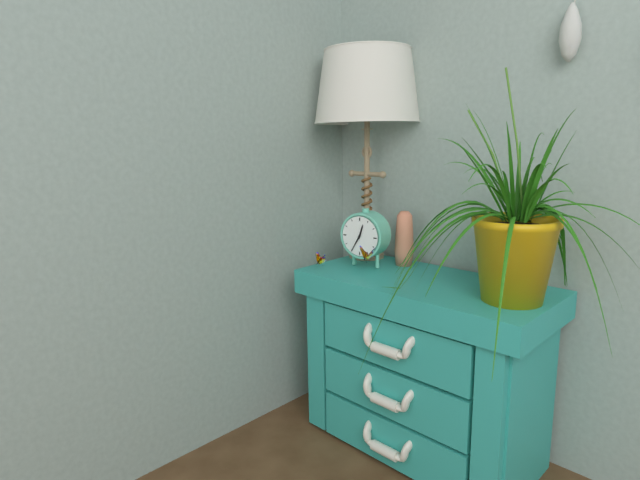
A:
h=12 m=35
